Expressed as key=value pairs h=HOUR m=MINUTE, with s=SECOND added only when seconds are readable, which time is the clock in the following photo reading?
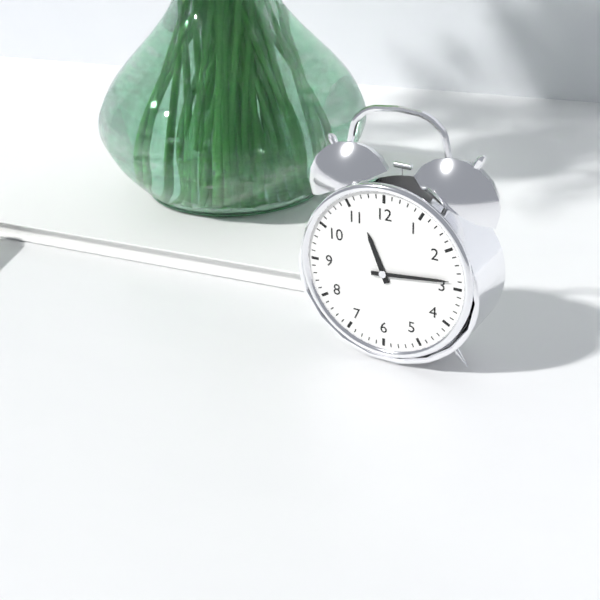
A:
h=11 m=14
